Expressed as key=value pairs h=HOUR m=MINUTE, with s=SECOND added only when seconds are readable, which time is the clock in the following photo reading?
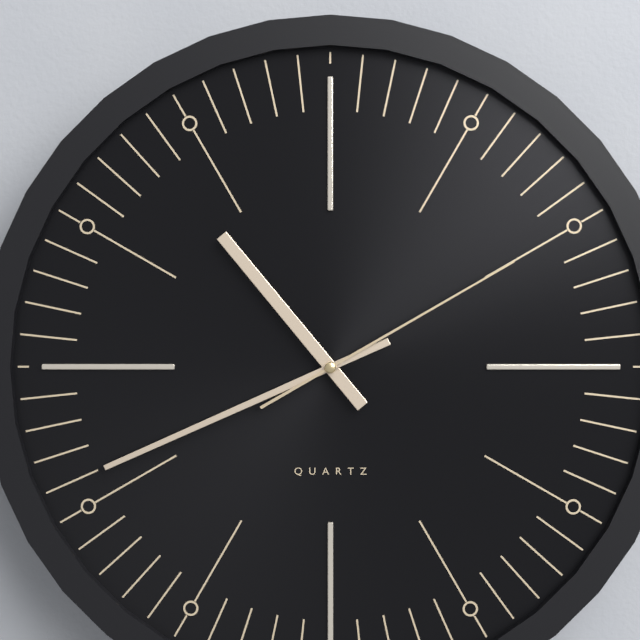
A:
h=10 m=41 s=10
